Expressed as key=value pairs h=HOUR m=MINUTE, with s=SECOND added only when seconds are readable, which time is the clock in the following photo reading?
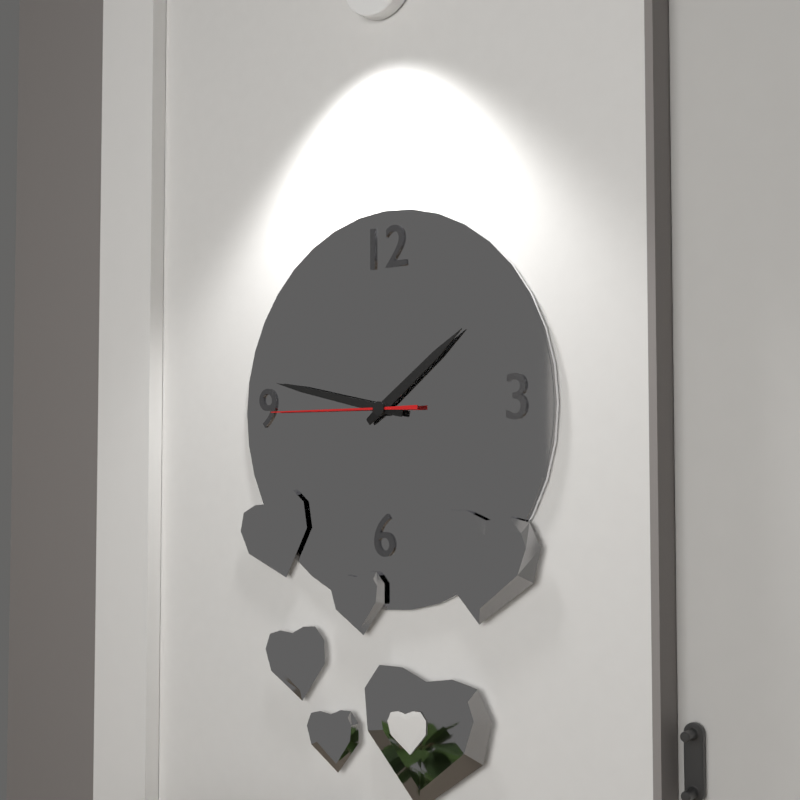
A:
h=1 m=47 s=45
